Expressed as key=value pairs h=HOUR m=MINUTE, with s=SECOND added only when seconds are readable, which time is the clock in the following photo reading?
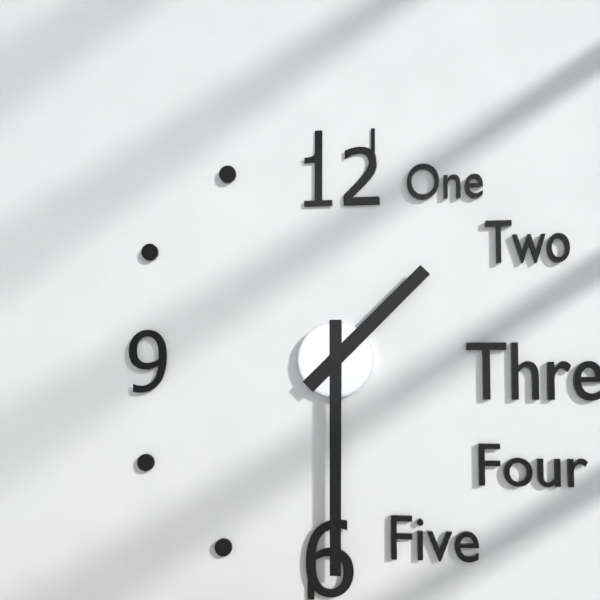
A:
h=1 m=30
